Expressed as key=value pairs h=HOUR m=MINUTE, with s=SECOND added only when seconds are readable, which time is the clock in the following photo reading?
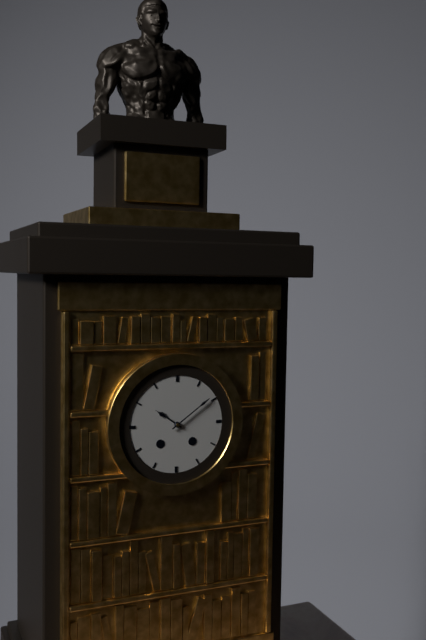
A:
h=10 m=9
